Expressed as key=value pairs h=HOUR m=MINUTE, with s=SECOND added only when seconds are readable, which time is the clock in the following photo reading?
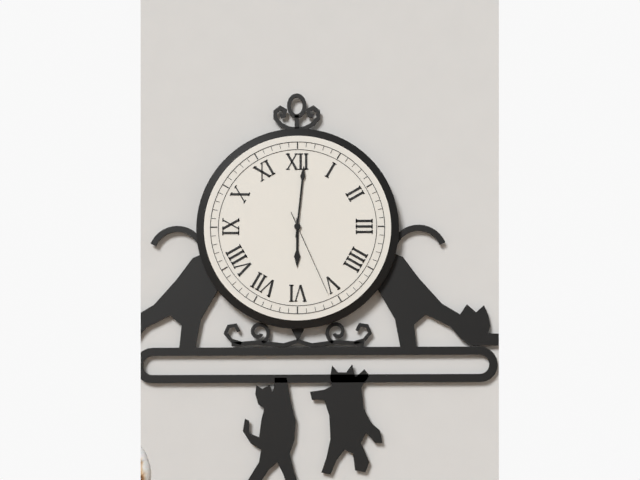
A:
h=6 m=1 s=26
